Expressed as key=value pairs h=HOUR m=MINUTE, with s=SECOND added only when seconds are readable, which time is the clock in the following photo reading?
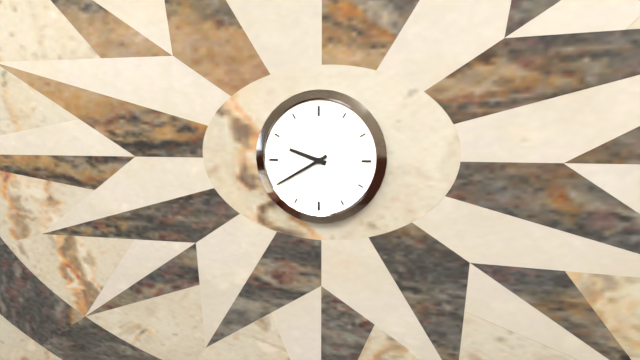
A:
h=9 m=40
